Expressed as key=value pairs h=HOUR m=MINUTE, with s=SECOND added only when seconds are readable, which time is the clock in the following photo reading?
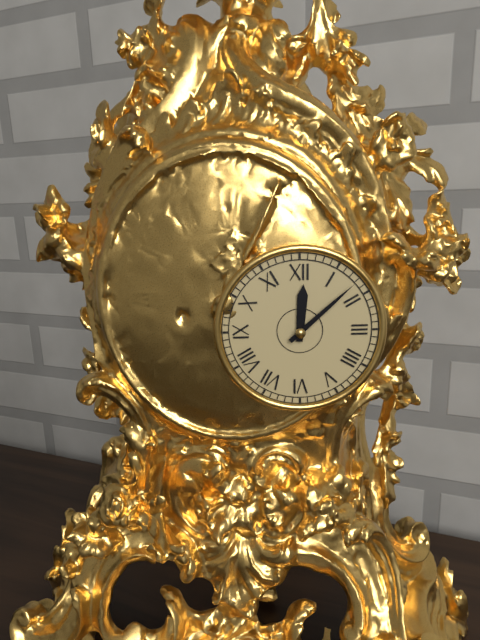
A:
h=12 m=8
